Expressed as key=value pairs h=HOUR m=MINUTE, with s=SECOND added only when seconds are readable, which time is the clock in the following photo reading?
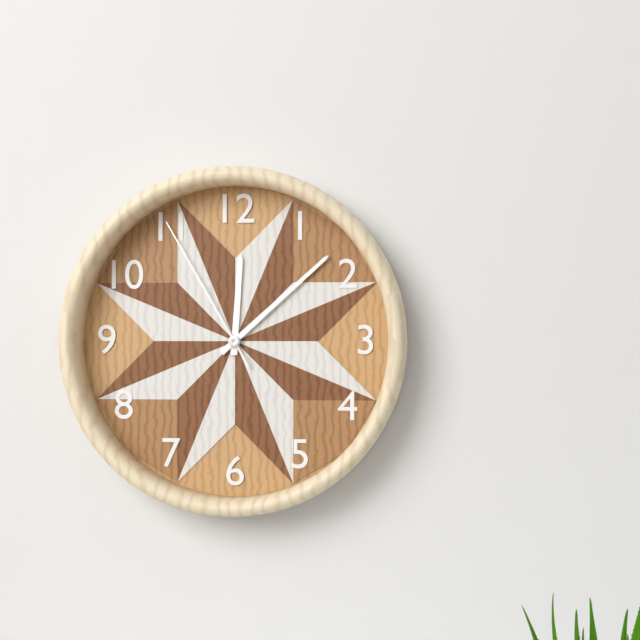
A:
h=12 m=8 s=55
